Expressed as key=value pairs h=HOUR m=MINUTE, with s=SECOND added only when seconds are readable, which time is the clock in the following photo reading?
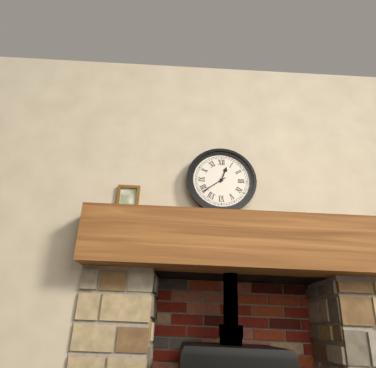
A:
h=12 m=39
